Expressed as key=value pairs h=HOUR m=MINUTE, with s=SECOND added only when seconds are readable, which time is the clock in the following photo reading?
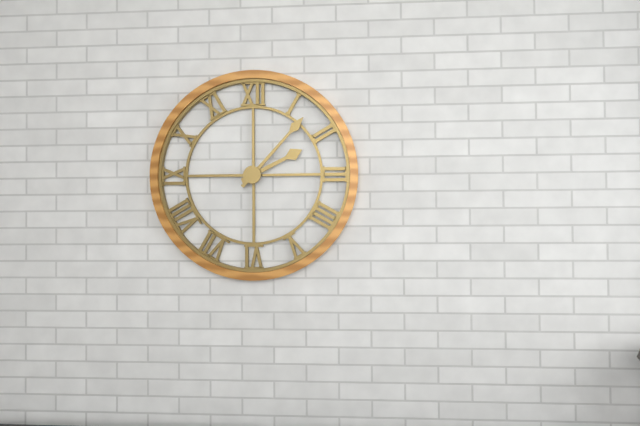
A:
h=2 m=7
